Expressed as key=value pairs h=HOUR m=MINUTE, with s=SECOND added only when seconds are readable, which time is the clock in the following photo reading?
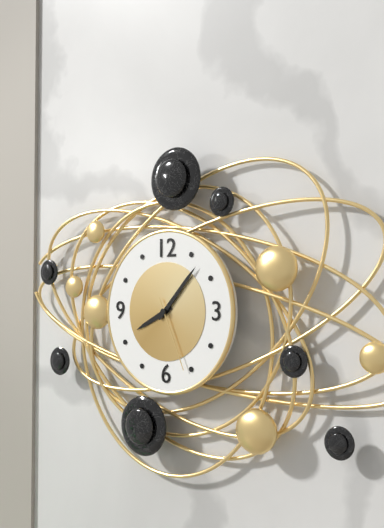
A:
h=8 m=7 s=26
